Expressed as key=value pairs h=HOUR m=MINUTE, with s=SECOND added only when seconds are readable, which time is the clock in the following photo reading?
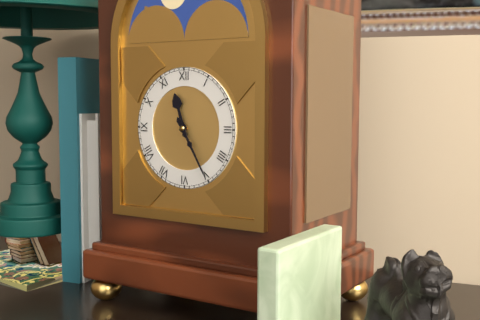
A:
h=11 m=25
